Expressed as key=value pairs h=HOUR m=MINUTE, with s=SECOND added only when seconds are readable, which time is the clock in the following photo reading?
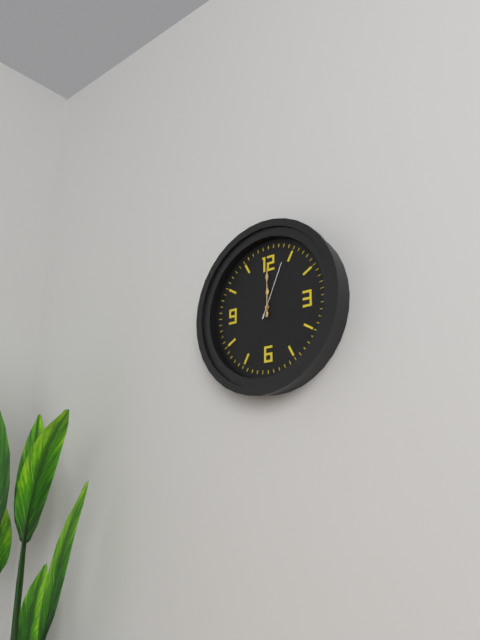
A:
h=12 m=0 s=4
